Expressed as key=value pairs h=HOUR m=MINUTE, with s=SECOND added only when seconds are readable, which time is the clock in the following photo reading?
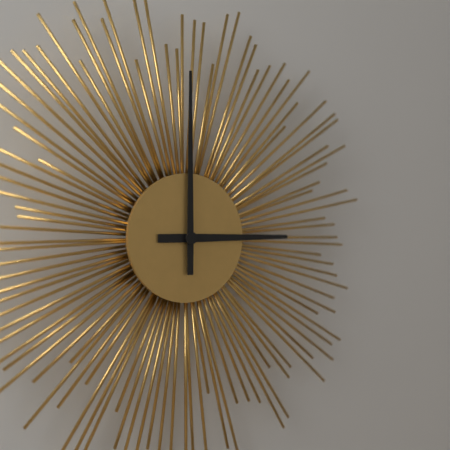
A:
h=3 m=0
